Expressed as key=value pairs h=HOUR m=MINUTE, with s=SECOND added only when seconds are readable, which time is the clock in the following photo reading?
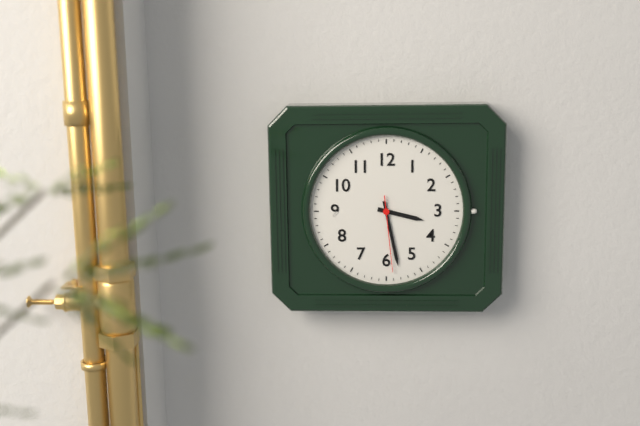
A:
h=3 m=28 s=29
